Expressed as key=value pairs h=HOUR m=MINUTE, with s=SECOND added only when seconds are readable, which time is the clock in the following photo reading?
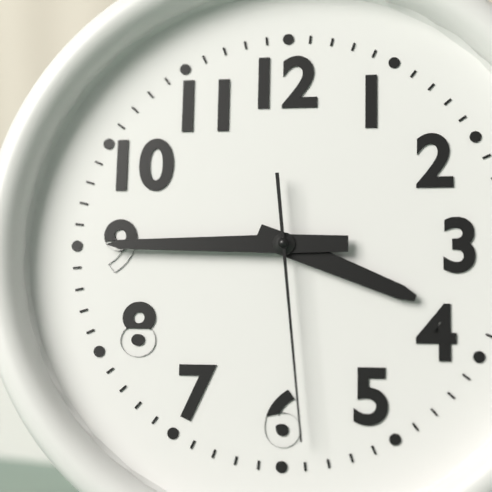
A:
h=3 m=45 s=29
